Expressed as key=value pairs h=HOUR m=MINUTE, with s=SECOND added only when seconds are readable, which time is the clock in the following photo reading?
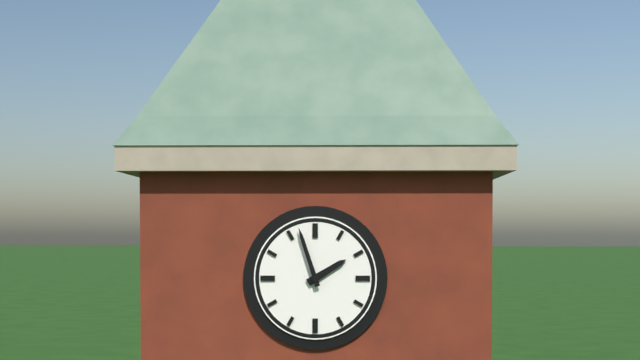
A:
h=1 m=57
